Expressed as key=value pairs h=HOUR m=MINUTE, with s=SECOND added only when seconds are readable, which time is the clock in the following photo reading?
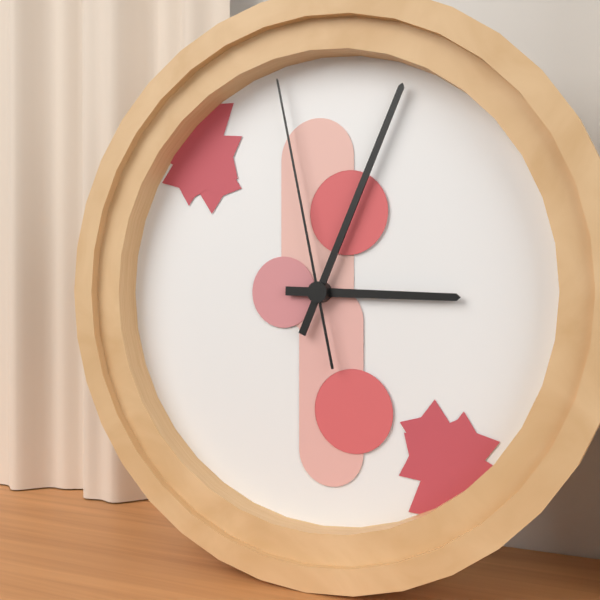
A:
h=3 m=4 s=58
